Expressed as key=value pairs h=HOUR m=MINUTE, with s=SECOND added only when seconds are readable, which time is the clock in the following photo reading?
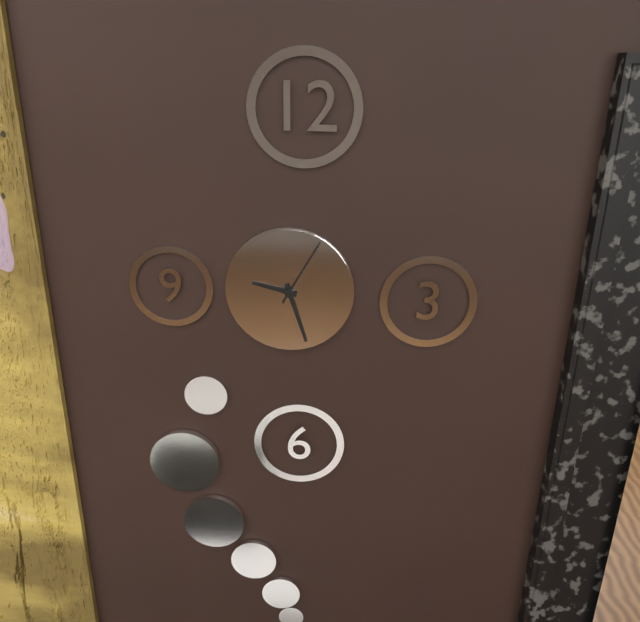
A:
h=9 m=27 s=5
